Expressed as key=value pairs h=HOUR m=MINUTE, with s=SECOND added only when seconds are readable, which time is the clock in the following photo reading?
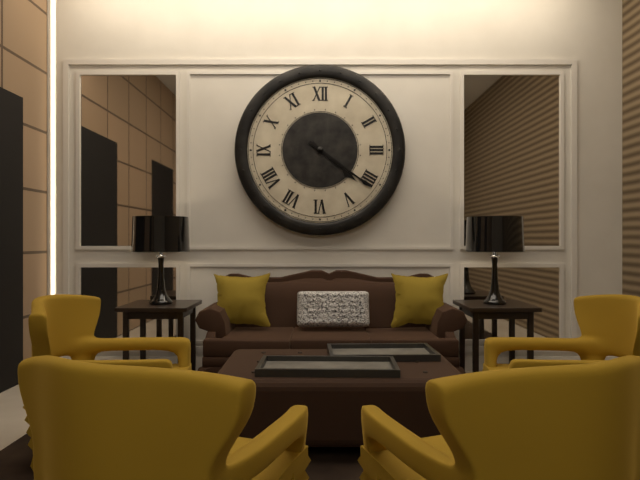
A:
h=4 m=21
